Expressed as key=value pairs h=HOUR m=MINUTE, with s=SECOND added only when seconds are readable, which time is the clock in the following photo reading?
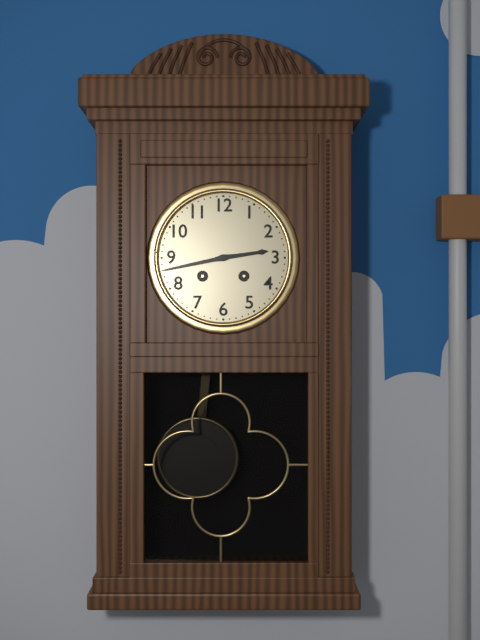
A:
h=2 m=43
